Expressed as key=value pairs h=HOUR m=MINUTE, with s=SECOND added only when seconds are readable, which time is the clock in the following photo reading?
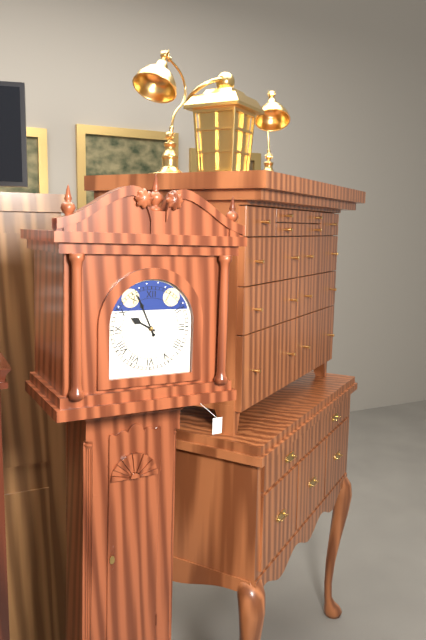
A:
h=9 m=56
